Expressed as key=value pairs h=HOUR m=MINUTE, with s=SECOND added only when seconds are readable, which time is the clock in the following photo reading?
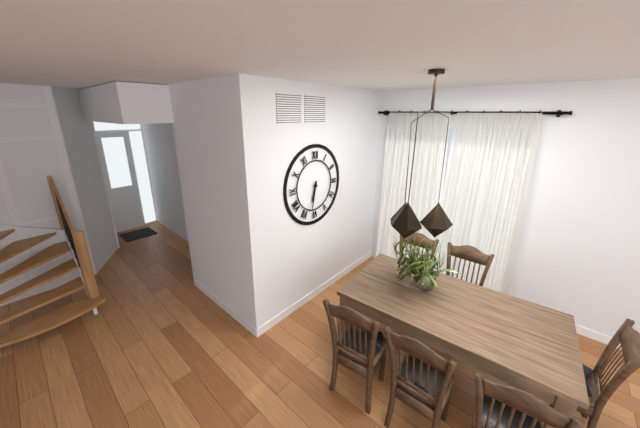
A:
h=6 m=32
